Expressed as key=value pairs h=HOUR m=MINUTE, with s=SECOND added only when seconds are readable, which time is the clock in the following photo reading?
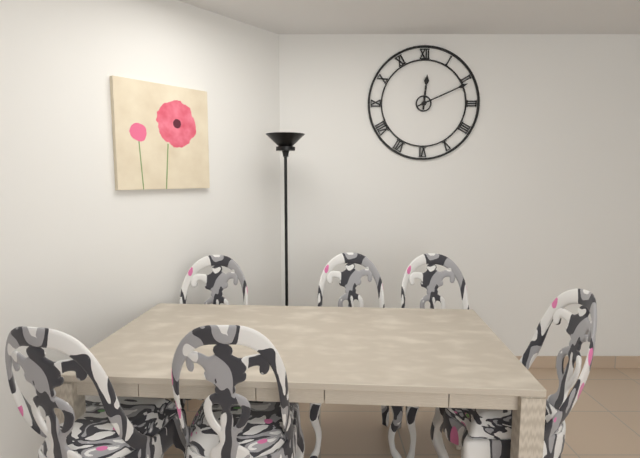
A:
h=12 m=11
